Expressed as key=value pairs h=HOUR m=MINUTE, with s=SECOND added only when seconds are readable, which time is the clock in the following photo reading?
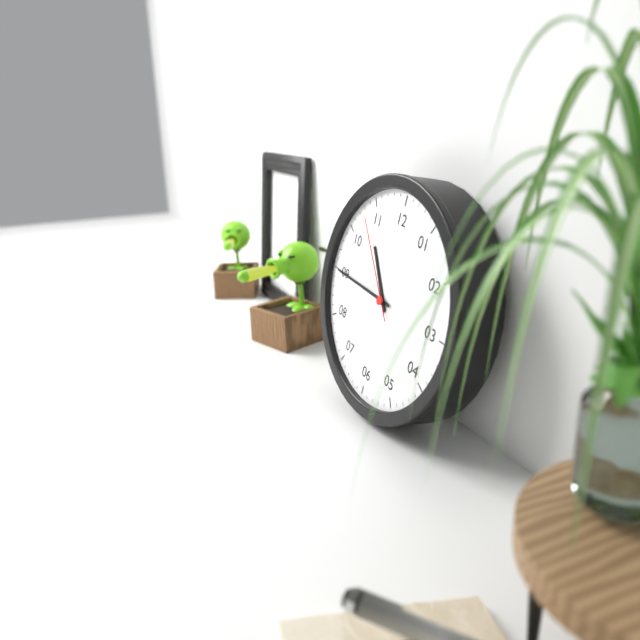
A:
h=10 m=45 s=53
